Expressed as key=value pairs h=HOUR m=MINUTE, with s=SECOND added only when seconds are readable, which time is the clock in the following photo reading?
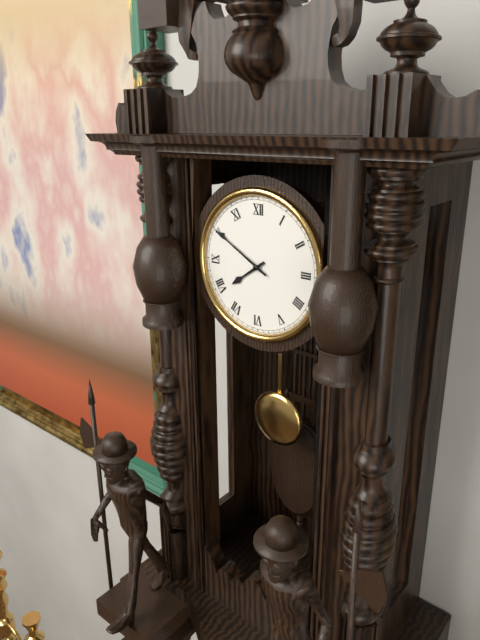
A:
h=7 m=50
